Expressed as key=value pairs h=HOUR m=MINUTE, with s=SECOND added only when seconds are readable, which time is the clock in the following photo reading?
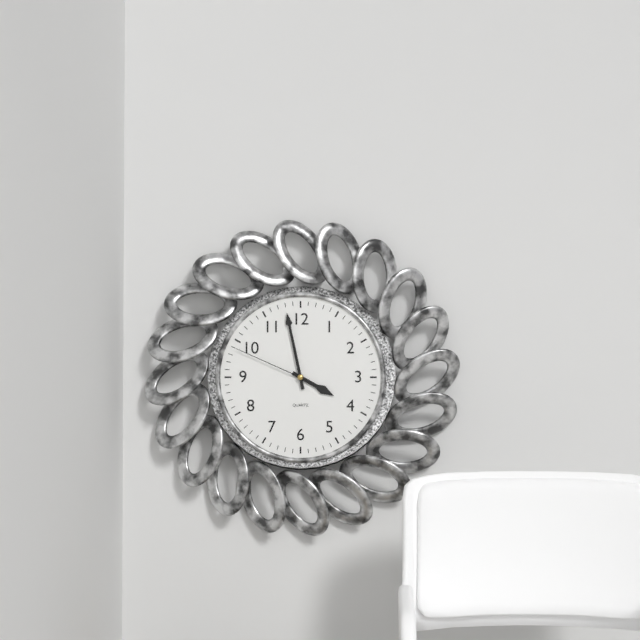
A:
h=3 m=58 s=49
